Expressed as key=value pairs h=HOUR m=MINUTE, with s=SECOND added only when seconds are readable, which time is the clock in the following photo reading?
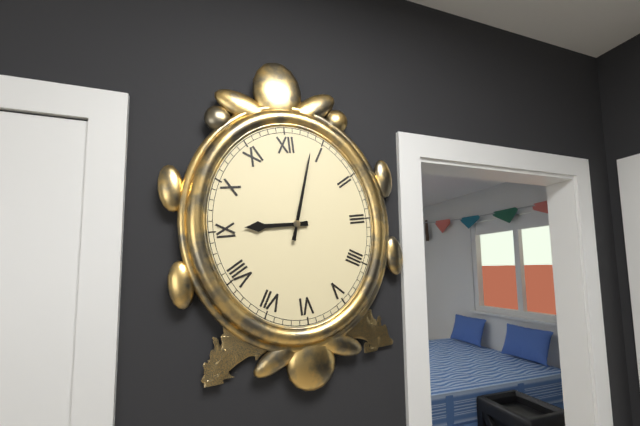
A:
h=9 m=3
